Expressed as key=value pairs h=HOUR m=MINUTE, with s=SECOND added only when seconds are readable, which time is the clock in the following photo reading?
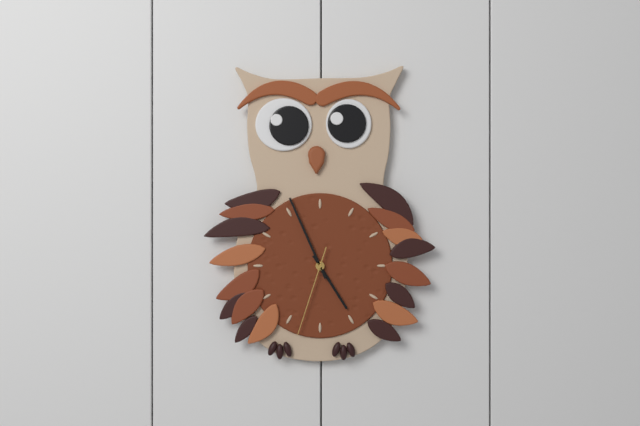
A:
h=4 m=56 s=33
